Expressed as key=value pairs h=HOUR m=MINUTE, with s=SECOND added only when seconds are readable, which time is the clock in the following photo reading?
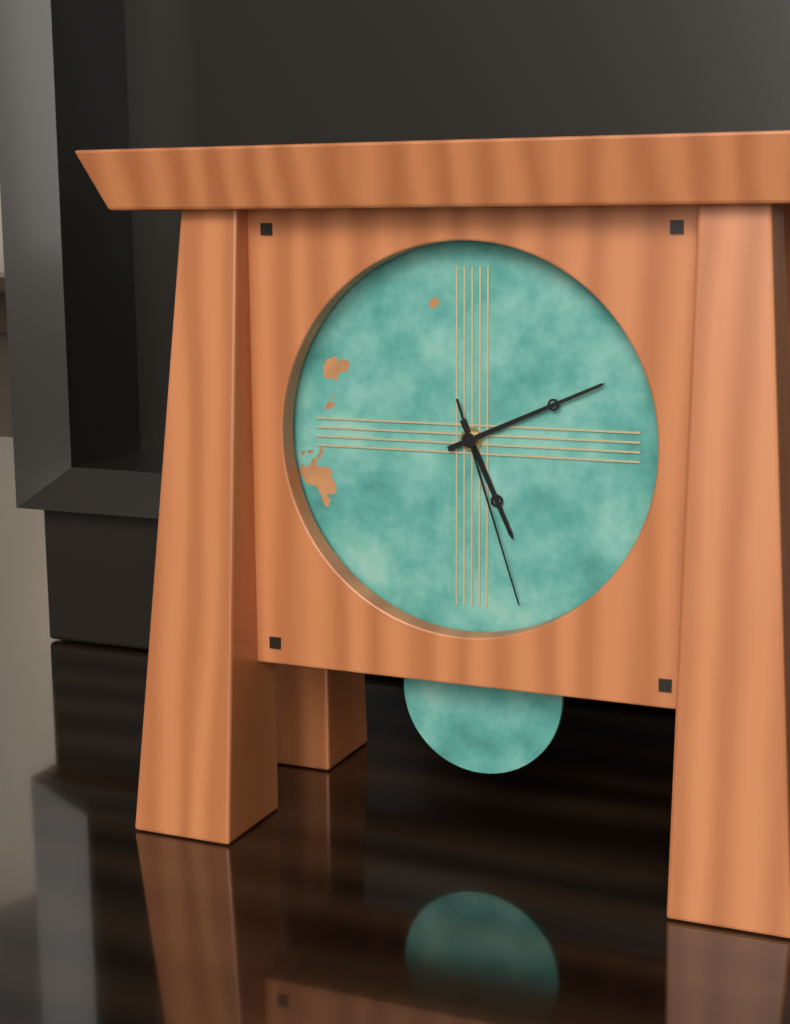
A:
h=5 m=11 s=27
